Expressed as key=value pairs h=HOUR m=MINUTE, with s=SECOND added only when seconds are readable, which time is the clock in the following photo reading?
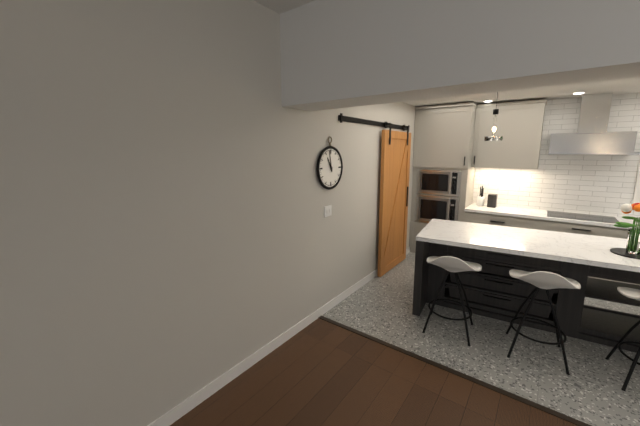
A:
h=10 m=58
